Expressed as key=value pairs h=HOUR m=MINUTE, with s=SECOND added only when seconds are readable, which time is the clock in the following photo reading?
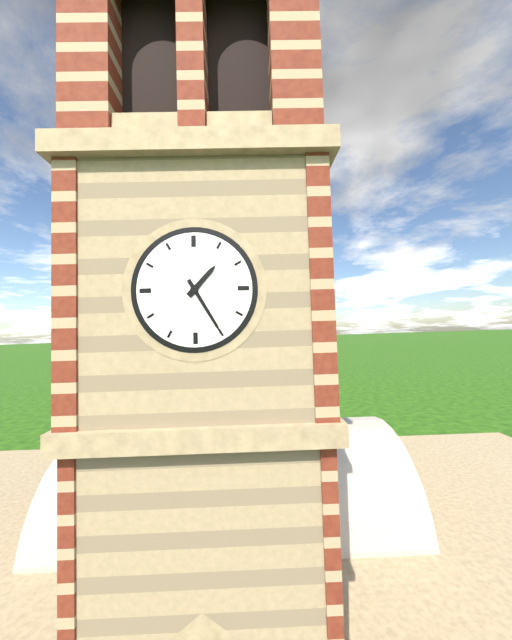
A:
h=1 m=25
